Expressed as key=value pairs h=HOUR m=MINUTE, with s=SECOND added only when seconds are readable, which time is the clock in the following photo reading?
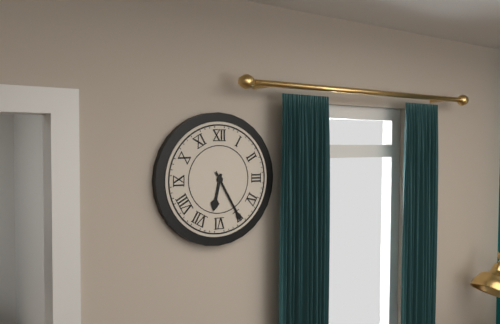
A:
h=6 m=25
